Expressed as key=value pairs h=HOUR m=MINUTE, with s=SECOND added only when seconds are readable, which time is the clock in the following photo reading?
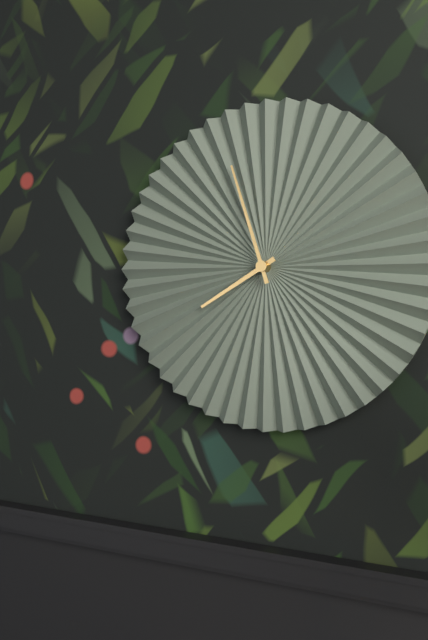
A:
h=7 m=57
